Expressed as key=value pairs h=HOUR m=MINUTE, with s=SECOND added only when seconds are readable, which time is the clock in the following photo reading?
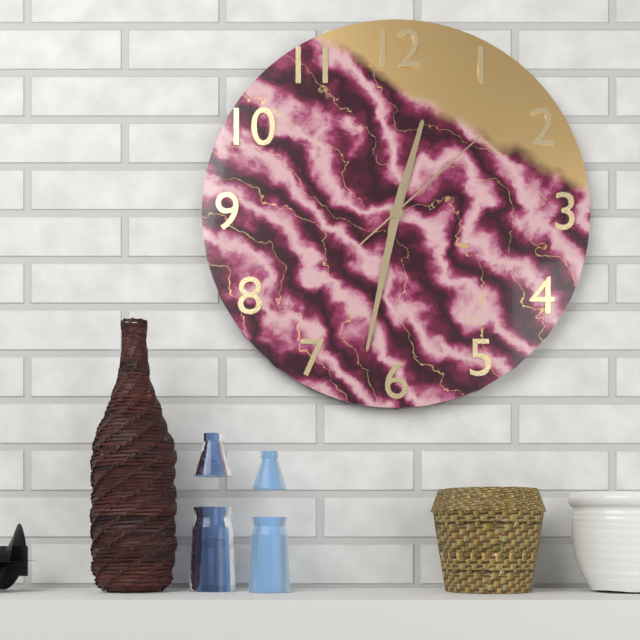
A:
h=12 m=32 s=8
